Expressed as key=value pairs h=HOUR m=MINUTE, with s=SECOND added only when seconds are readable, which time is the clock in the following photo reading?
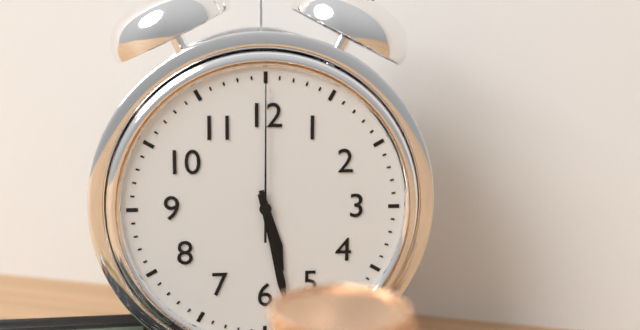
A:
h=5 m=28 s=0
